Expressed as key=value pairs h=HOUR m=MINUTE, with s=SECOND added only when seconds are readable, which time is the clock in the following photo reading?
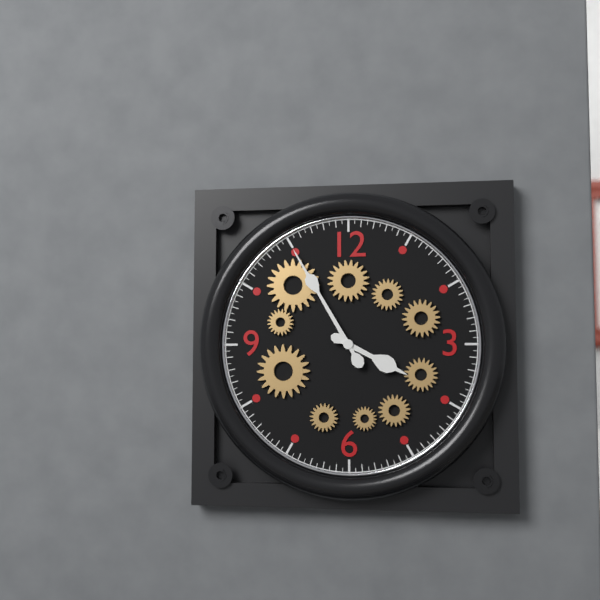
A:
h=3 m=55
